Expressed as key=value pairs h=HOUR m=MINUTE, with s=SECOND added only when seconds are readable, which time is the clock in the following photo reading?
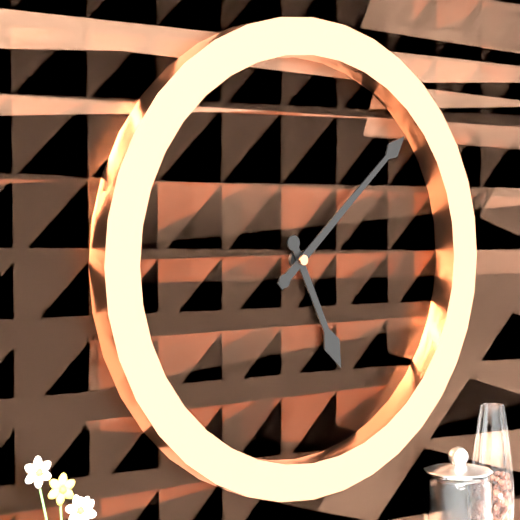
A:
h=5 m=8
